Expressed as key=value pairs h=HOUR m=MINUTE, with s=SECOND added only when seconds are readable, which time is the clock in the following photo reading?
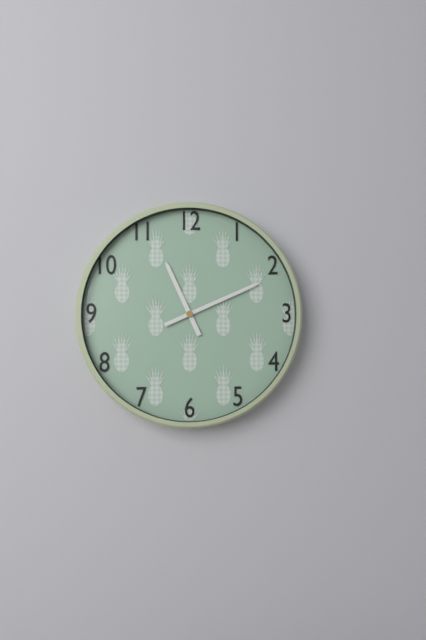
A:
h=11 m=11
